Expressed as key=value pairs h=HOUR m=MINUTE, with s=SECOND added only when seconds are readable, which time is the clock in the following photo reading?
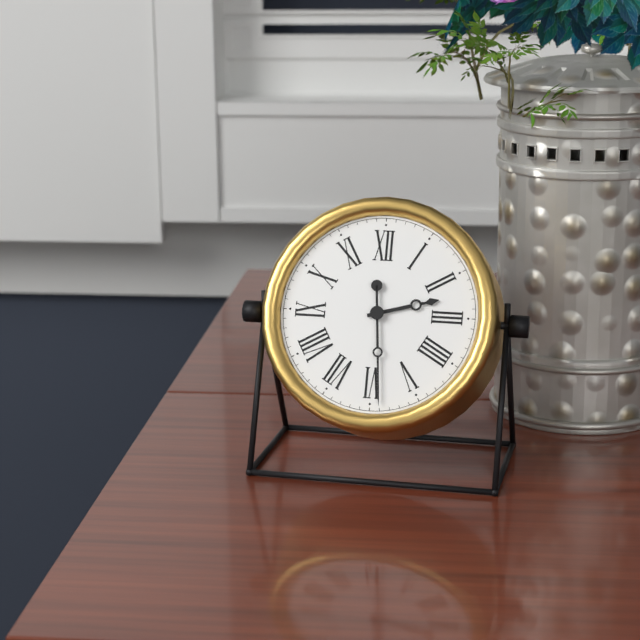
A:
h=2 m=29
